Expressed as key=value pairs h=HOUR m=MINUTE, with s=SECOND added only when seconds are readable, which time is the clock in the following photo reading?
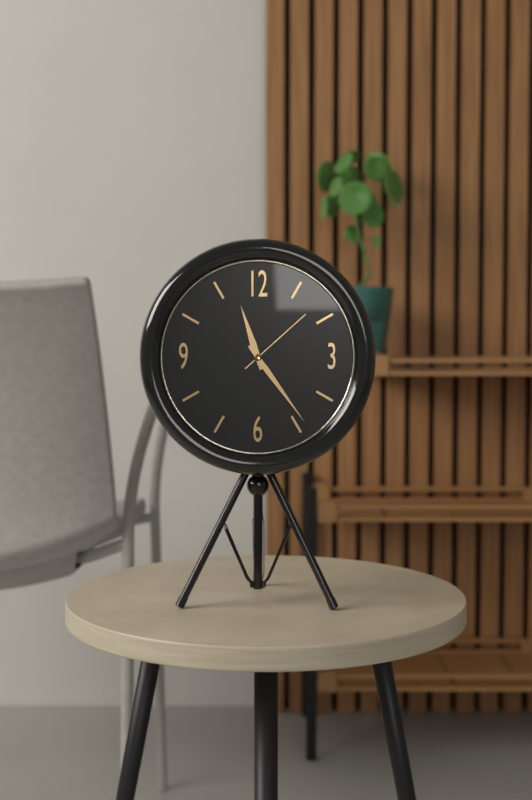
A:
h=11 m=24 s=8
